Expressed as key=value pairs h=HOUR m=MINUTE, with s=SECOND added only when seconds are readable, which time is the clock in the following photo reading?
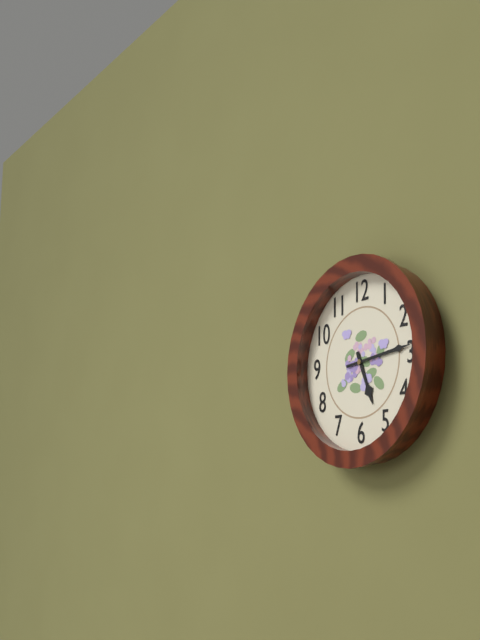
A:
h=5 m=14
